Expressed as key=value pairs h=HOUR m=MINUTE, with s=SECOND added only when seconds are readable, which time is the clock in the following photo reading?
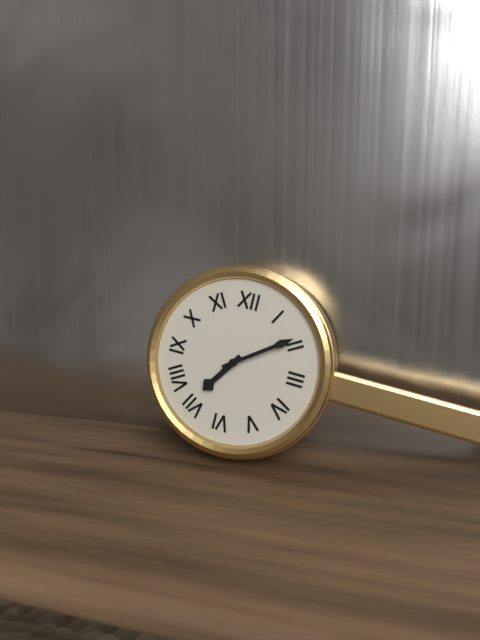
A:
h=7 m=9
